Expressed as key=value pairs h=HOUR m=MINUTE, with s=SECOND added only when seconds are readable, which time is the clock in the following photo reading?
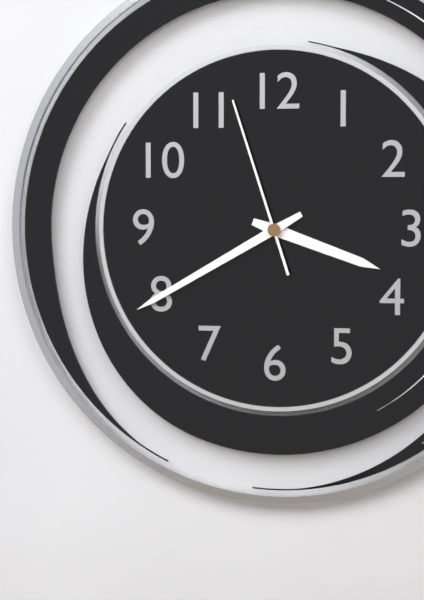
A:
h=3 m=40 s=57
